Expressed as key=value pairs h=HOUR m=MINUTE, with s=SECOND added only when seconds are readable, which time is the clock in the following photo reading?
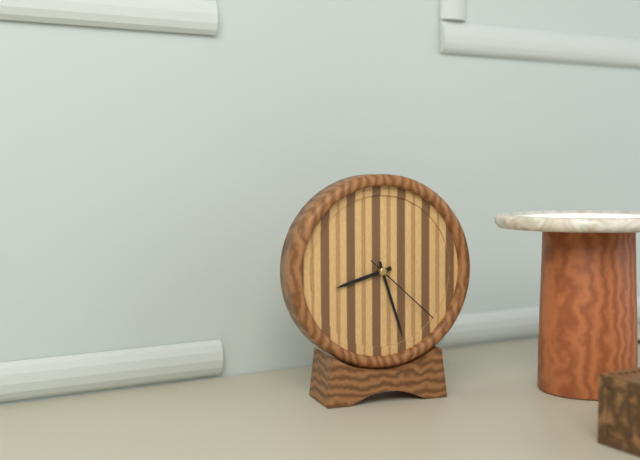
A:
h=8 m=27 s=22
